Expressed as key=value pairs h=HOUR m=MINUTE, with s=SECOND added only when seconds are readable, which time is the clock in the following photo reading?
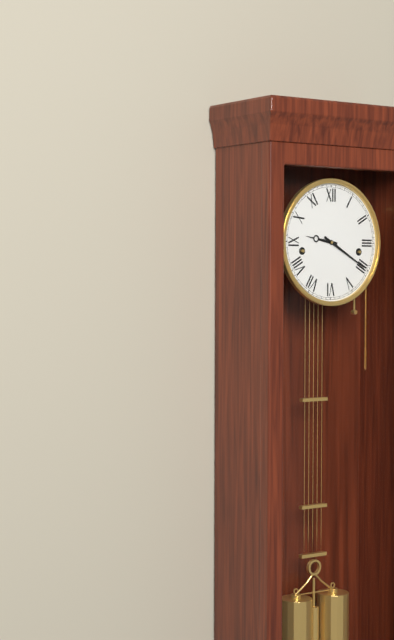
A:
h=9 m=20
